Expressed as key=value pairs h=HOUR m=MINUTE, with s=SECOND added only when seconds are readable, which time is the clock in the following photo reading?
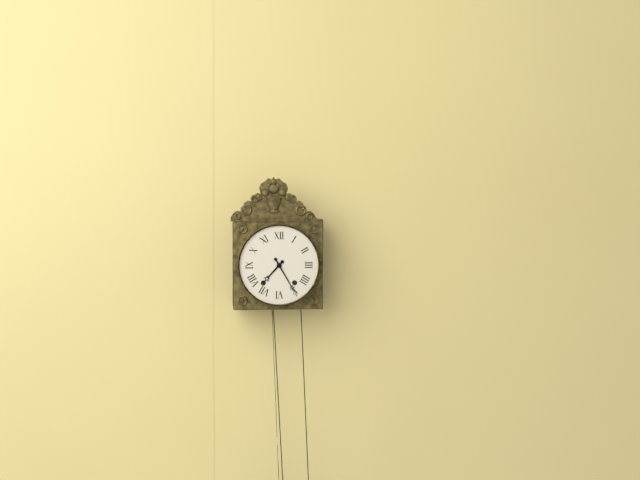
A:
h=7 m=25
